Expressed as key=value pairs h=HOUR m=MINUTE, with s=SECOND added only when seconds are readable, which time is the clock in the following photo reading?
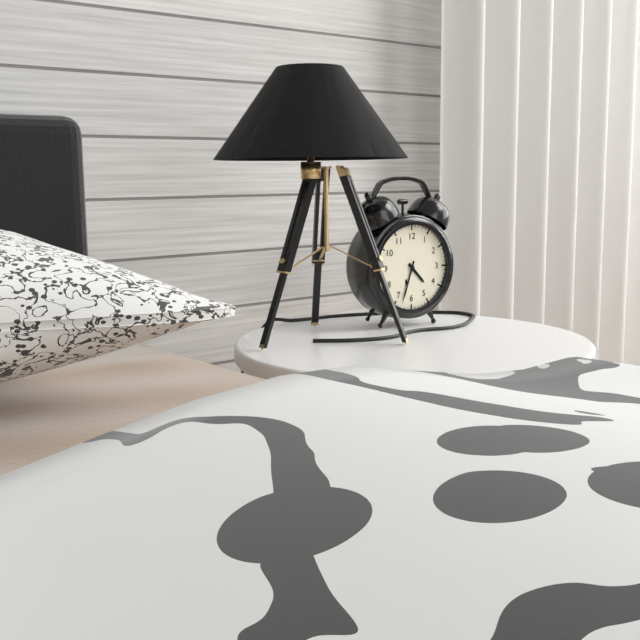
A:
h=4 m=33
